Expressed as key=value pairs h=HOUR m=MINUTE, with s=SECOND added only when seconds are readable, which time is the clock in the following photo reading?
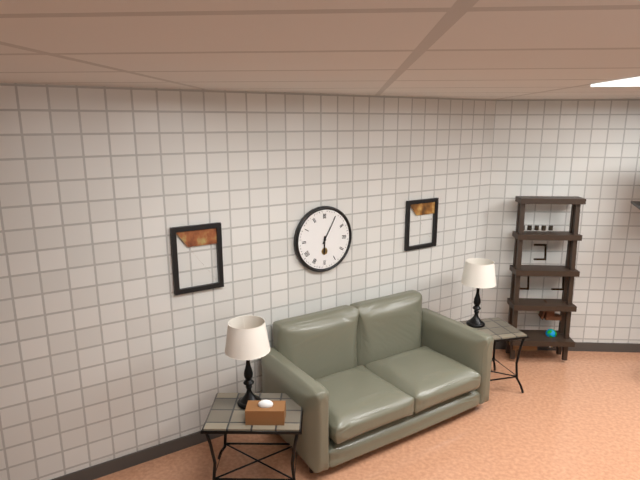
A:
h=6 m=5
